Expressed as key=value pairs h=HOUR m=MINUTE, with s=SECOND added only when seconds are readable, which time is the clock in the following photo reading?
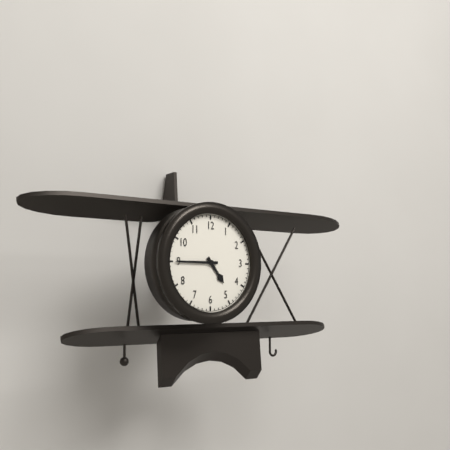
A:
h=4 m=45
